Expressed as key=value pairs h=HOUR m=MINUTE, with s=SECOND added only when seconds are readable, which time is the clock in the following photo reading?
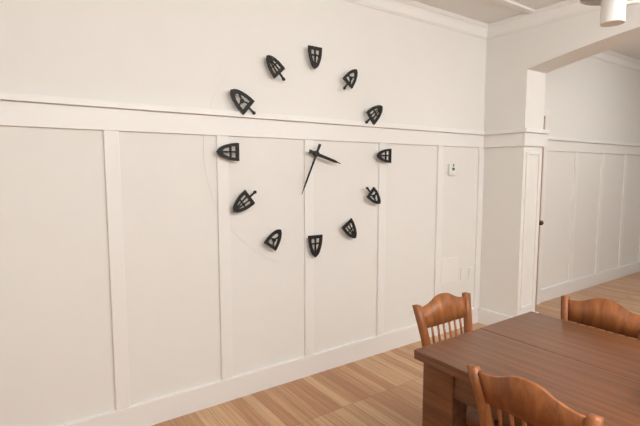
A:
h=3 m=34
